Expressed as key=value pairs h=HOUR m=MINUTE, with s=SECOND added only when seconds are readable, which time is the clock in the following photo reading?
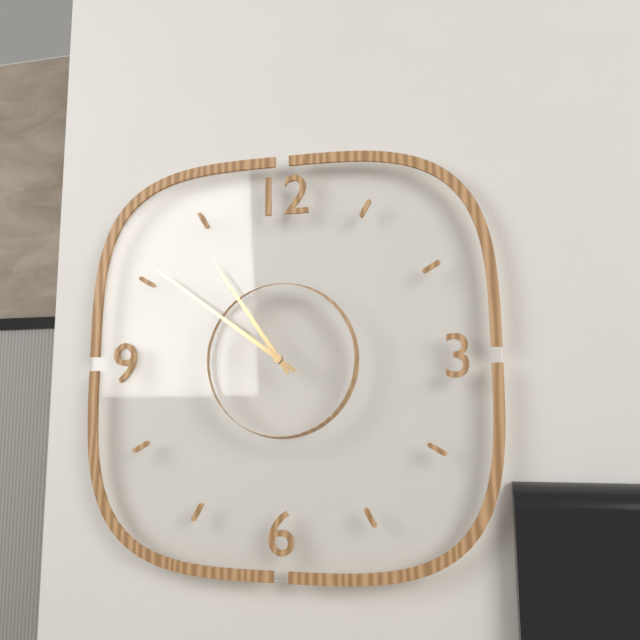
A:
h=10 m=51
